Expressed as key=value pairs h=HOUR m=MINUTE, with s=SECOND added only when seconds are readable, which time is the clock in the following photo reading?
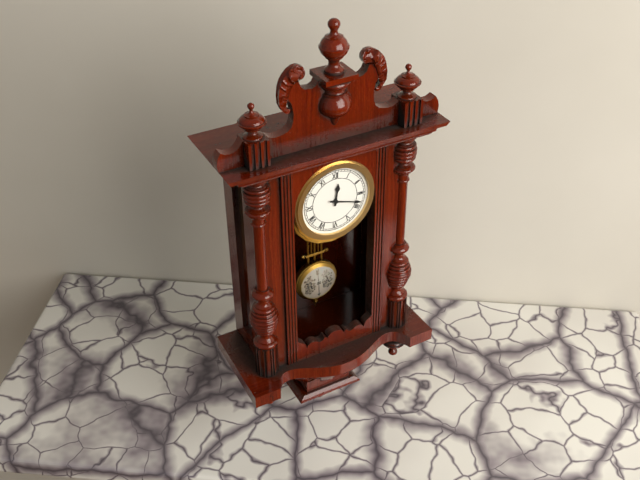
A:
h=12 m=18
